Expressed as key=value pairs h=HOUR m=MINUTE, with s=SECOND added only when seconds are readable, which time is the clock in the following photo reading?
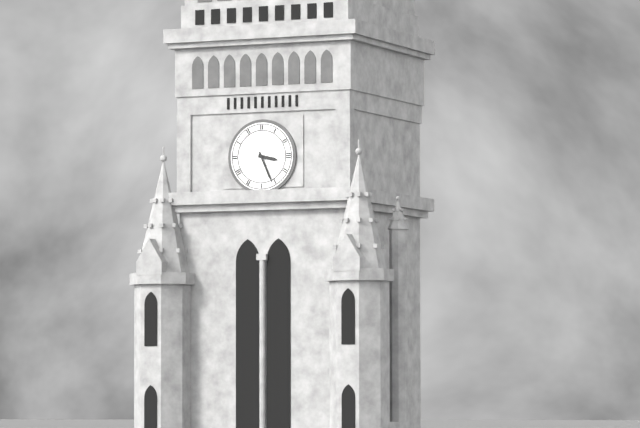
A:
h=3 m=26
